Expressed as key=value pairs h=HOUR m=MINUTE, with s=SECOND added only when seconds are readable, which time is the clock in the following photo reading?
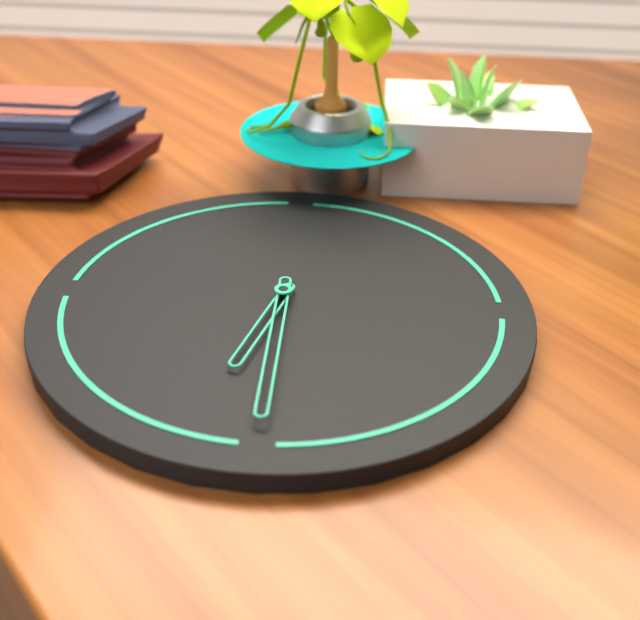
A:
h=6 m=30
